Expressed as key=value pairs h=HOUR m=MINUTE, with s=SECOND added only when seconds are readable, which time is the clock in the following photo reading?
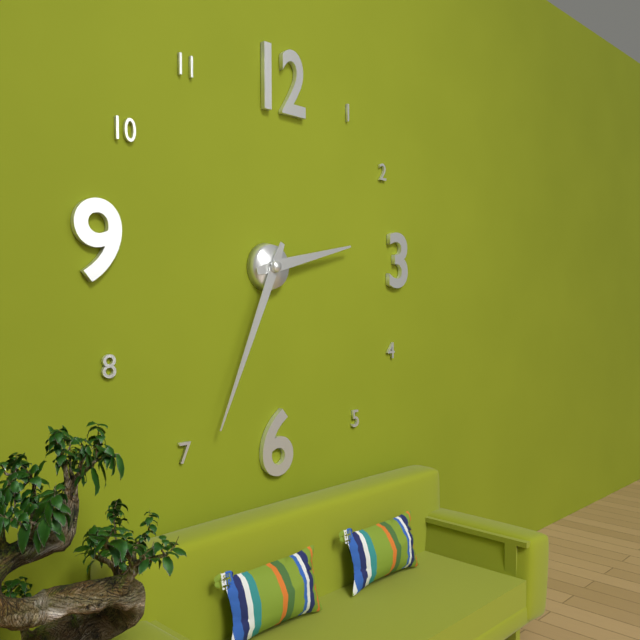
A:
h=2 m=34
